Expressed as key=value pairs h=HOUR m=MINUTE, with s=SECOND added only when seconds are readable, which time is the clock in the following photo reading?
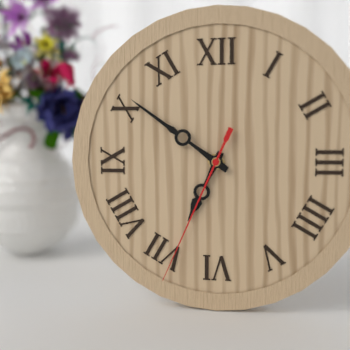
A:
h=6 m=51 s=34
